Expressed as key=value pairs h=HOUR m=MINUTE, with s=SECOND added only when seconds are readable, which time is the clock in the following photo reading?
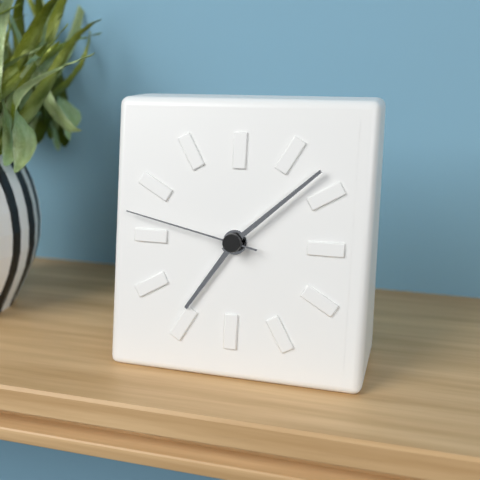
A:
h=7 m=8 s=47
